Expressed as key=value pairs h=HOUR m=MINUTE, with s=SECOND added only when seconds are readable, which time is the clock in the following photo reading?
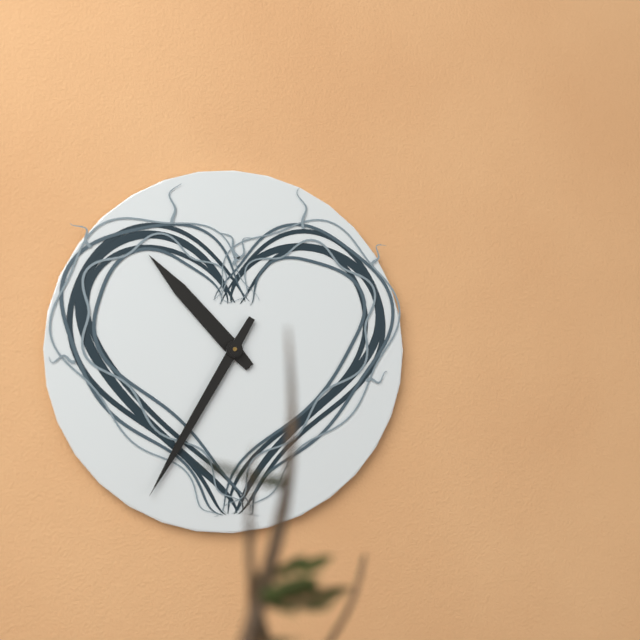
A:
h=10 m=35
